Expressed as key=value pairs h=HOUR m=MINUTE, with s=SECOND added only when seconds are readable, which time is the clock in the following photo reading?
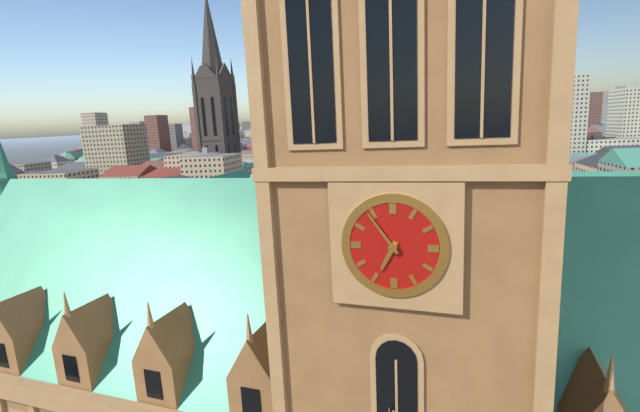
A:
h=6 m=54
